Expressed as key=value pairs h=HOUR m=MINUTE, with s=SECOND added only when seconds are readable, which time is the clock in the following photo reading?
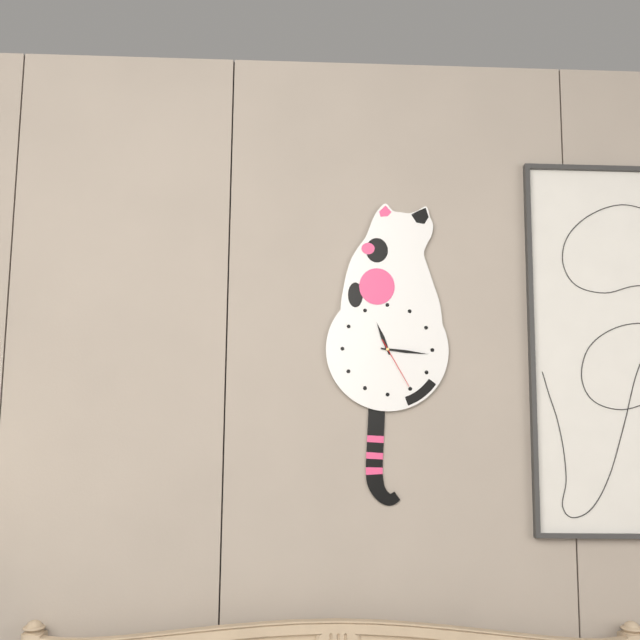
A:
h=11 m=16 s=25
